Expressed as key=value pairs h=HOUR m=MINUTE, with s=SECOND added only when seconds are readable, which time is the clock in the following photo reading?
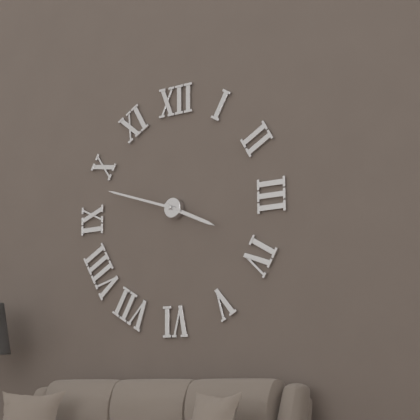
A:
h=3 m=48
